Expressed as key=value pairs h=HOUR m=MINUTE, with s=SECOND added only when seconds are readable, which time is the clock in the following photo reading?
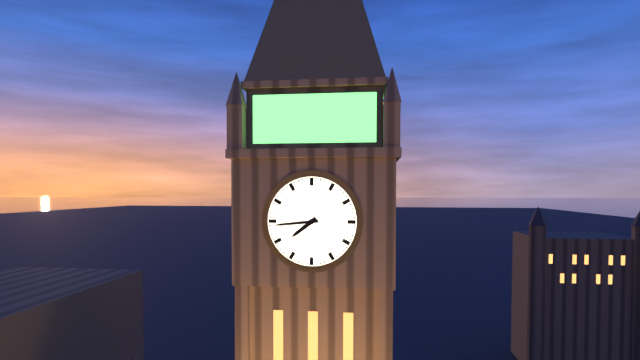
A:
h=7 m=44
